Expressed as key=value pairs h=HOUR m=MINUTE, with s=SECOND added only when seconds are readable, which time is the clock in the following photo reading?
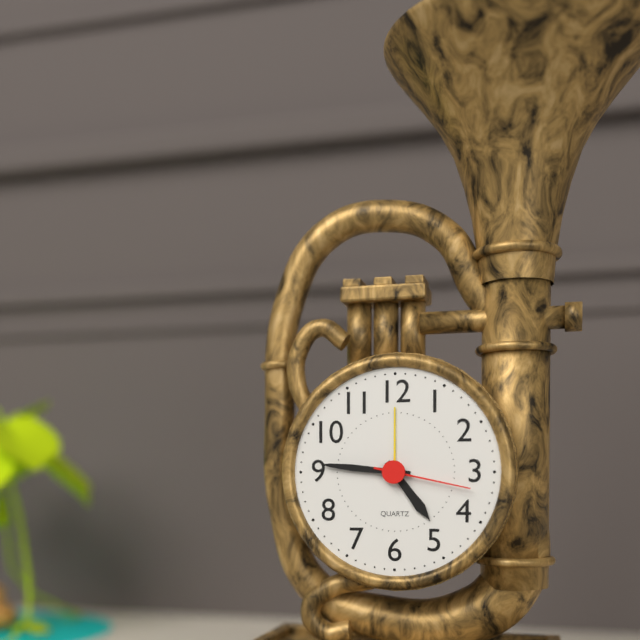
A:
h=4 m=46 s=17
